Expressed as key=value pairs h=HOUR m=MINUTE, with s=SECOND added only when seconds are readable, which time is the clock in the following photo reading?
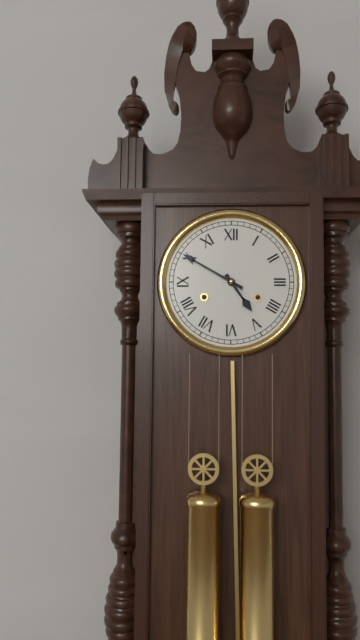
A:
h=4 m=50
